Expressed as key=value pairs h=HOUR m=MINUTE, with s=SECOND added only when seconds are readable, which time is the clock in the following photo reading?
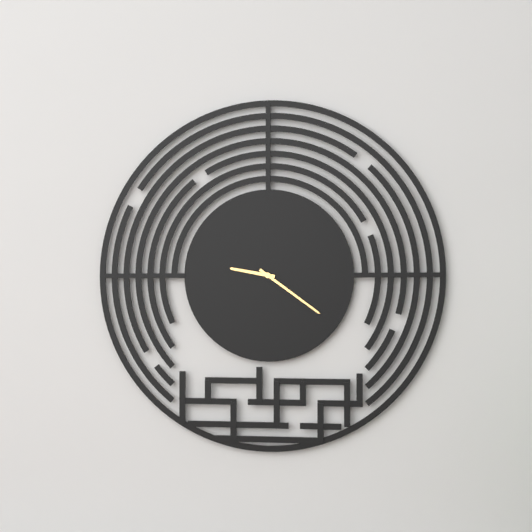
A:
h=9 m=21
